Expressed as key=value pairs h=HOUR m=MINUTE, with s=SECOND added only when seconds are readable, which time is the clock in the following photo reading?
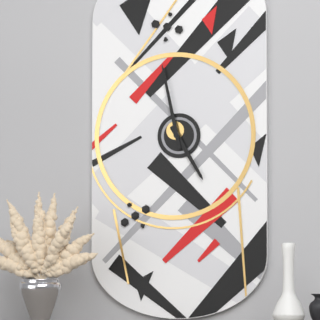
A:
h=4 m=58
